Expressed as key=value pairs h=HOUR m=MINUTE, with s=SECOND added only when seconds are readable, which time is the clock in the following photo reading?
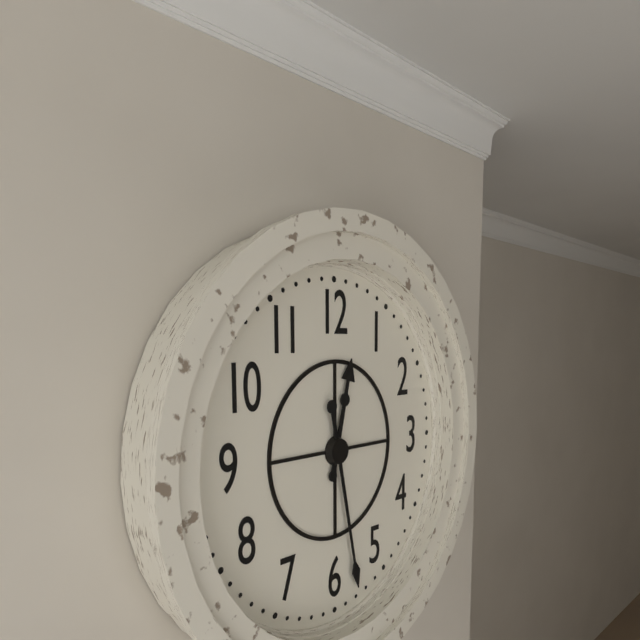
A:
h=12 m=28
